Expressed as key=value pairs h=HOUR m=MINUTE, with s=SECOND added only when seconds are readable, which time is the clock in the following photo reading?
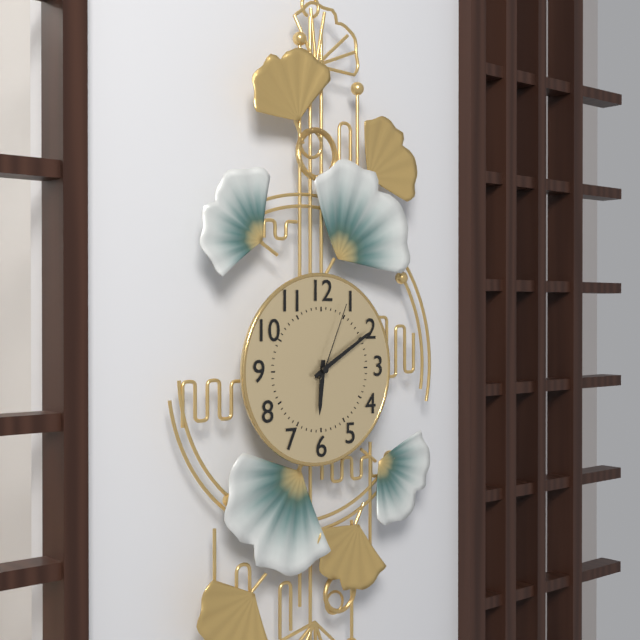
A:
h=6 m=10 s=4
